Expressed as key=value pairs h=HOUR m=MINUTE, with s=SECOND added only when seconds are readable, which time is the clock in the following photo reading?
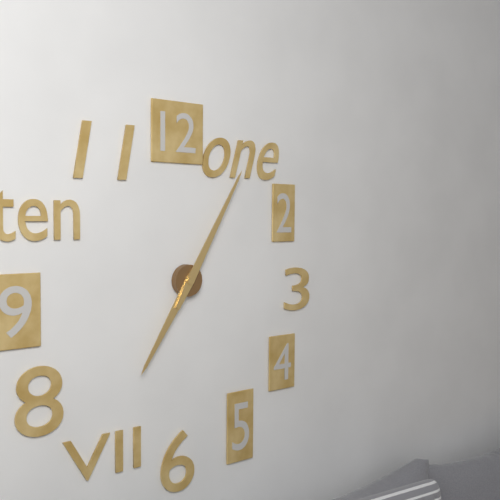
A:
h=7 m=5
